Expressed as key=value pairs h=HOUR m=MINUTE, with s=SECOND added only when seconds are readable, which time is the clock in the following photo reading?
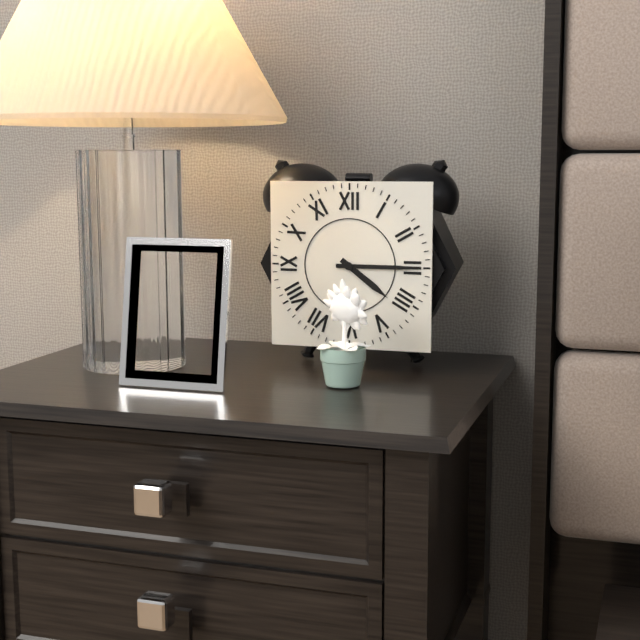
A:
h=4 m=15
